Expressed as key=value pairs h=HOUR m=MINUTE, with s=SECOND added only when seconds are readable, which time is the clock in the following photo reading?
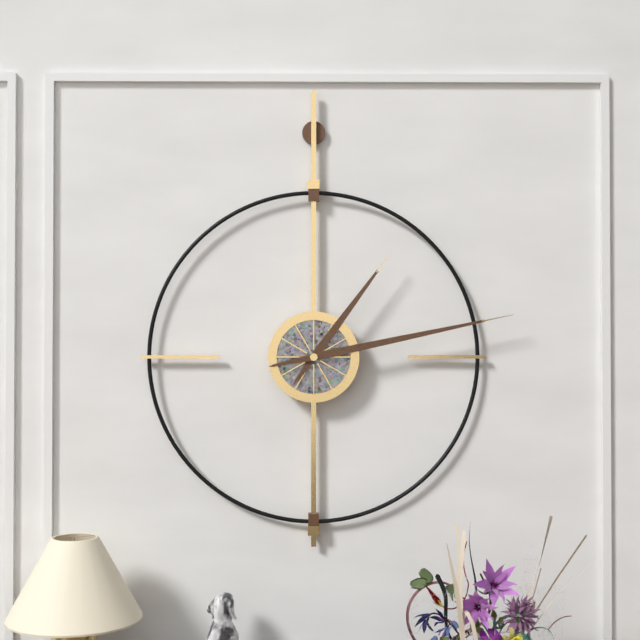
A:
h=1 m=13
